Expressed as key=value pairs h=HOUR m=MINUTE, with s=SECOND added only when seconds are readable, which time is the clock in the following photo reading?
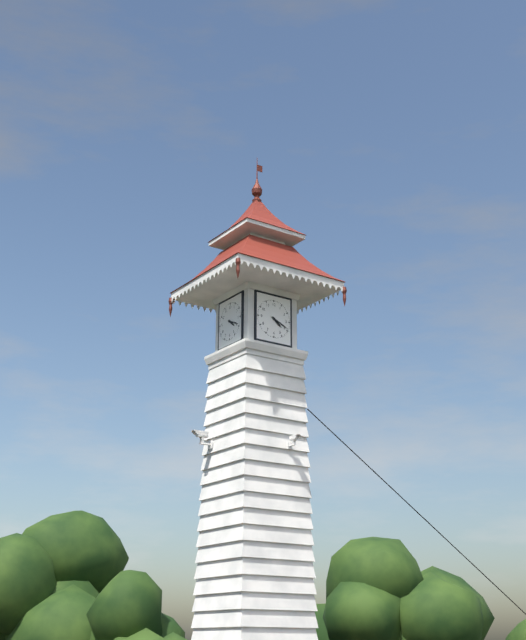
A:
h=4 m=19
